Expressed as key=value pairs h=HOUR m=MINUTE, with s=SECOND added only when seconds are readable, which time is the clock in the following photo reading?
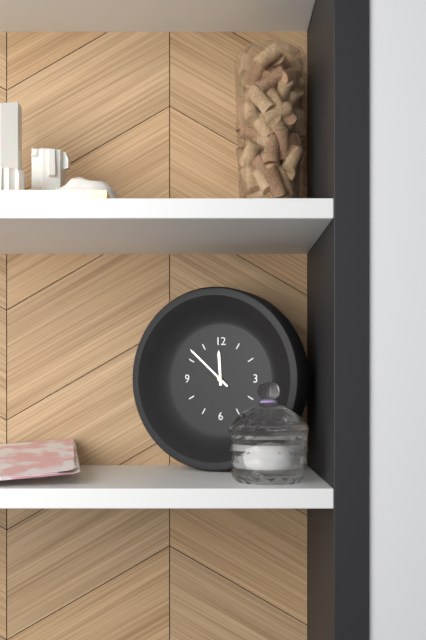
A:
h=11 m=52
